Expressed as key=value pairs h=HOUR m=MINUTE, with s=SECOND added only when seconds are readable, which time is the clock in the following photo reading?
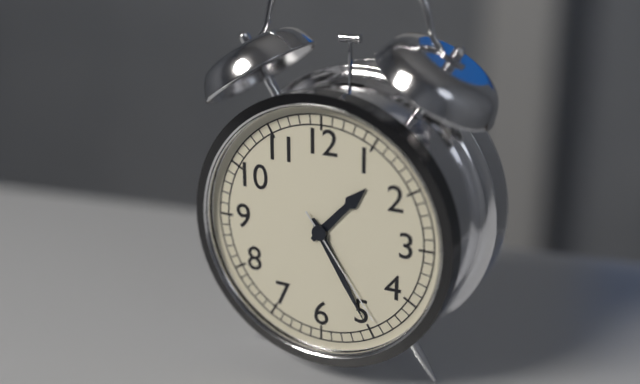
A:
h=1 m=25 s=24
